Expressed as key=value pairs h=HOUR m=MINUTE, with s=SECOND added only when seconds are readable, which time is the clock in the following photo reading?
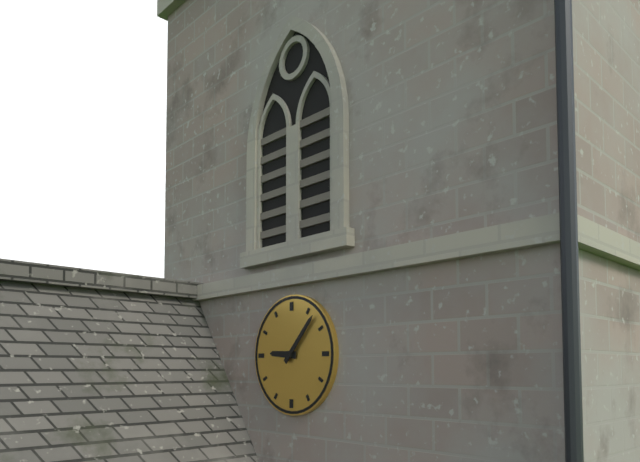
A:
h=9 m=7
